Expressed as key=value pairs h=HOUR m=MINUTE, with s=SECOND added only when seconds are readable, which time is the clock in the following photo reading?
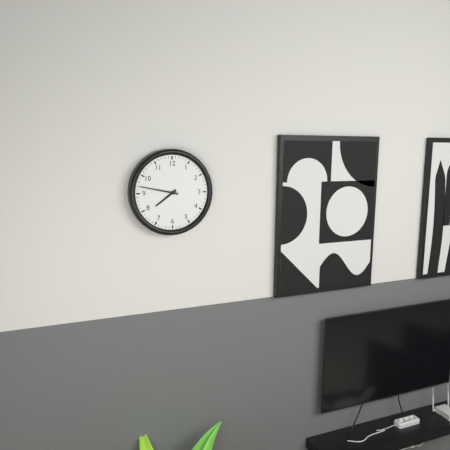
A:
h=7 m=47
